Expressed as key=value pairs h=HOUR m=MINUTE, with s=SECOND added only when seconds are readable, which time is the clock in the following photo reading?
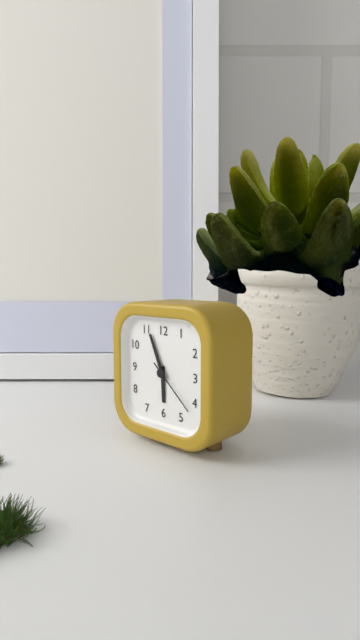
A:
h=5 m=56 s=22
